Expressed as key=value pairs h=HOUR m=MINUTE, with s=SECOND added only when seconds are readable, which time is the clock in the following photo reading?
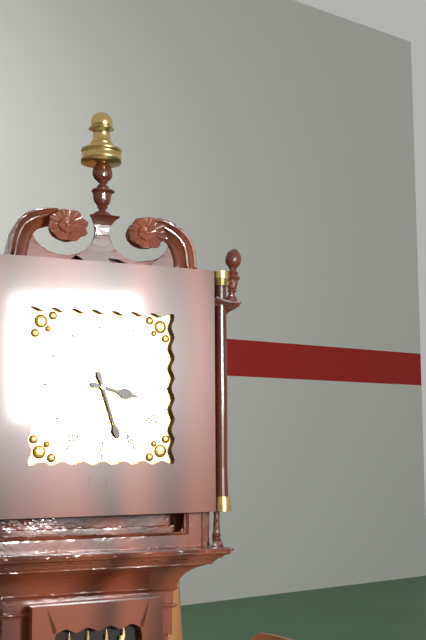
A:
h=3 m=27
